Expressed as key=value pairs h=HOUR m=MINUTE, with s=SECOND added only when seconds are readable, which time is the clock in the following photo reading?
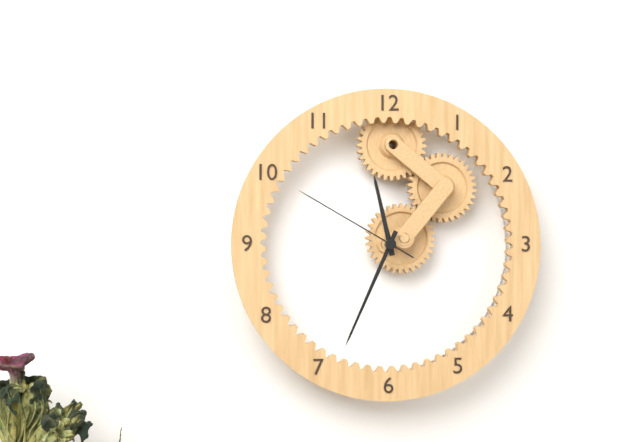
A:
h=11 m=34 s=50
